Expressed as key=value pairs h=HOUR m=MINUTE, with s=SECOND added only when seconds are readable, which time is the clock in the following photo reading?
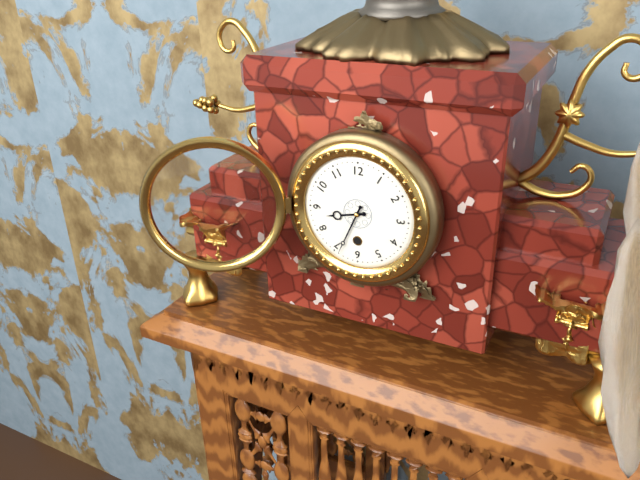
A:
h=8 m=34
